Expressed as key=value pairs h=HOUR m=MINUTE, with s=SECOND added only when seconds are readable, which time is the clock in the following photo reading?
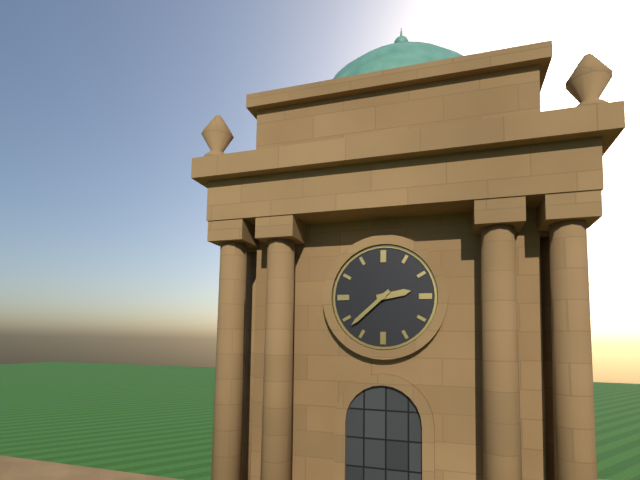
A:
h=2 m=38
